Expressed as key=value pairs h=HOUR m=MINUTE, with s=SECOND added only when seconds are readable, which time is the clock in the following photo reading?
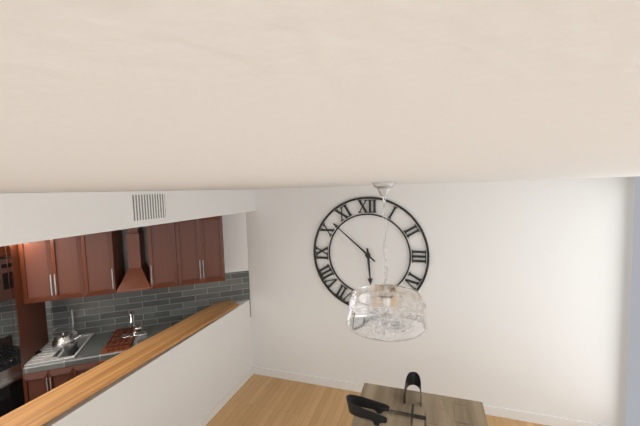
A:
h=5 m=52
